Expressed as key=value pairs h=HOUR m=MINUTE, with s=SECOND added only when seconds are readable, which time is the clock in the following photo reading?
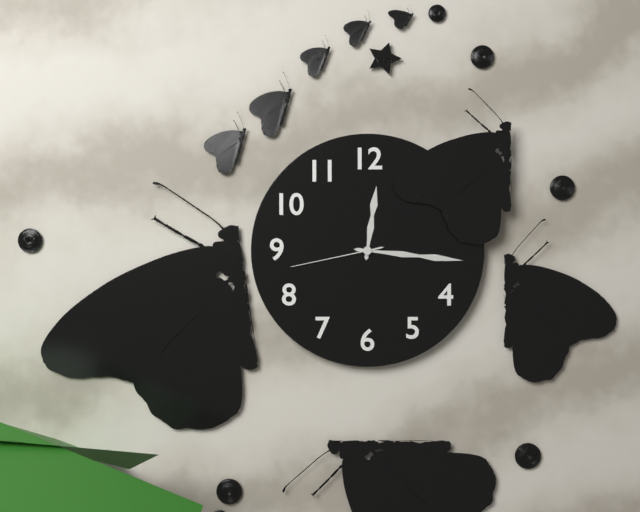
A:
h=12 m=16 s=43
